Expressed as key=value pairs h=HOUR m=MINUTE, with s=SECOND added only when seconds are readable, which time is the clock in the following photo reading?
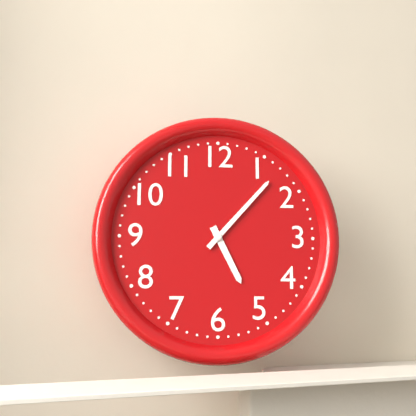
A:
h=5 m=7
